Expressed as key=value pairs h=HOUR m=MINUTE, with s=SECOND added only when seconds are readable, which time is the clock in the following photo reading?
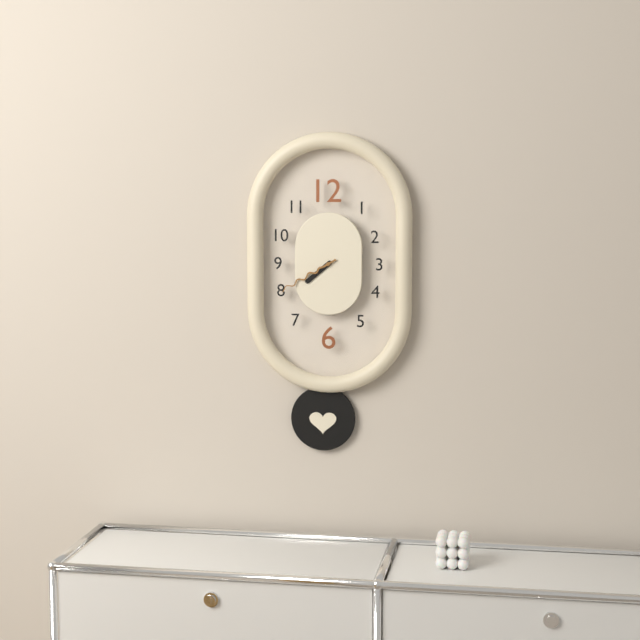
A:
h=7 m=40
